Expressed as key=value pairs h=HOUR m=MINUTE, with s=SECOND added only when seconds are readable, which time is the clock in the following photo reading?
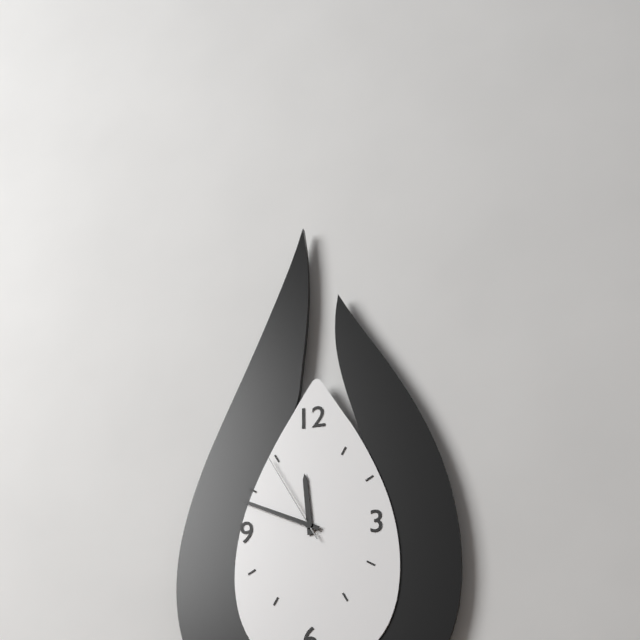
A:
h=11 m=49 s=55
